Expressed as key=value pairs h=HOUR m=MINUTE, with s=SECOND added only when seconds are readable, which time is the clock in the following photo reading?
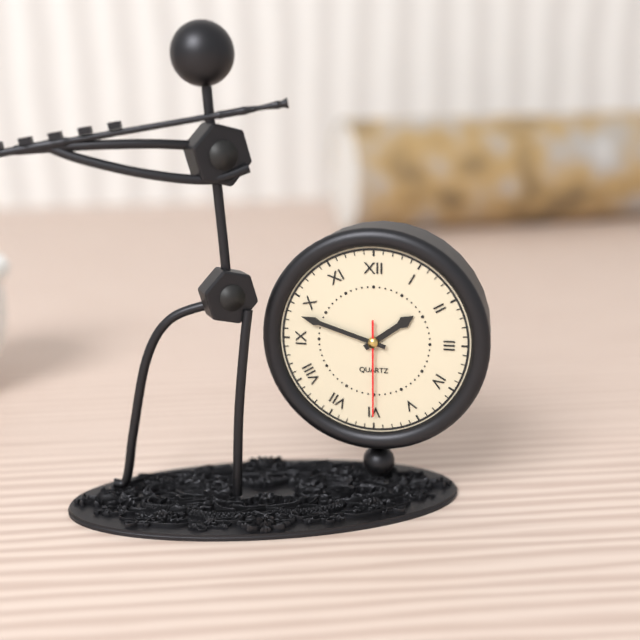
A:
h=1 m=48 s=30
